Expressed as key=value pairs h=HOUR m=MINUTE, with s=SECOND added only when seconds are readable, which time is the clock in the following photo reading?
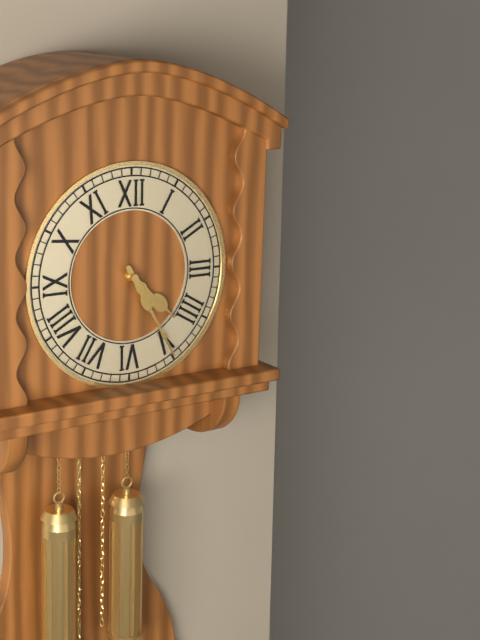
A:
h=4 m=25
